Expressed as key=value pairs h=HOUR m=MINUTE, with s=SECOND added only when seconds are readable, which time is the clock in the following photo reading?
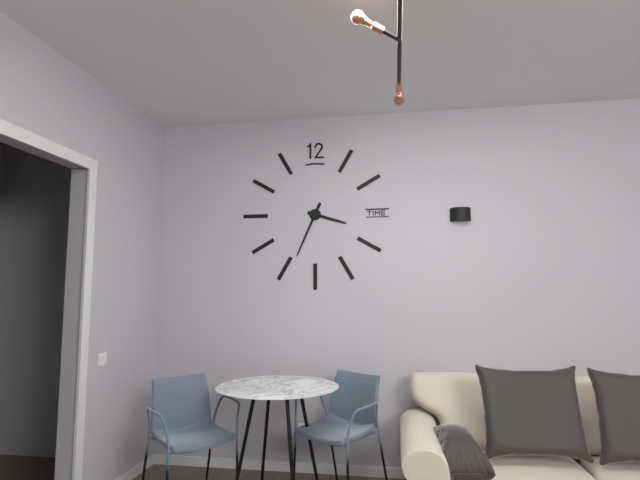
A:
h=3 m=34
